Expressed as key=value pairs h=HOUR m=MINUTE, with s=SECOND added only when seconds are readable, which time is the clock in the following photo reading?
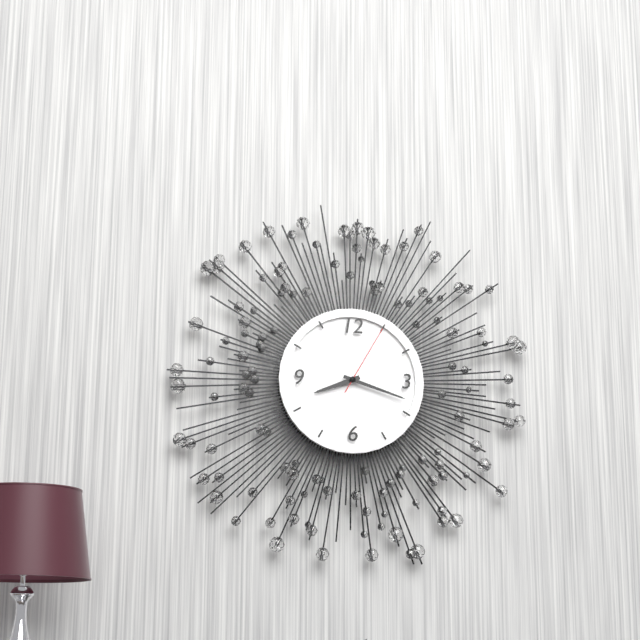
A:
h=8 m=18 s=5
